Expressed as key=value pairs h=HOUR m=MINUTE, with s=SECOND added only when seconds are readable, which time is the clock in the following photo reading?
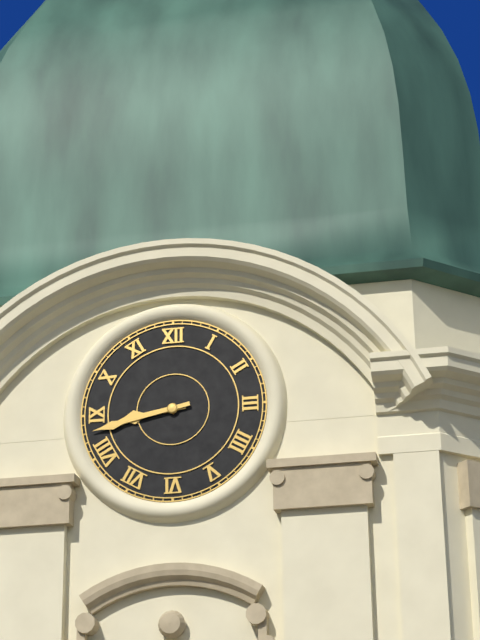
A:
h=8 m=43
